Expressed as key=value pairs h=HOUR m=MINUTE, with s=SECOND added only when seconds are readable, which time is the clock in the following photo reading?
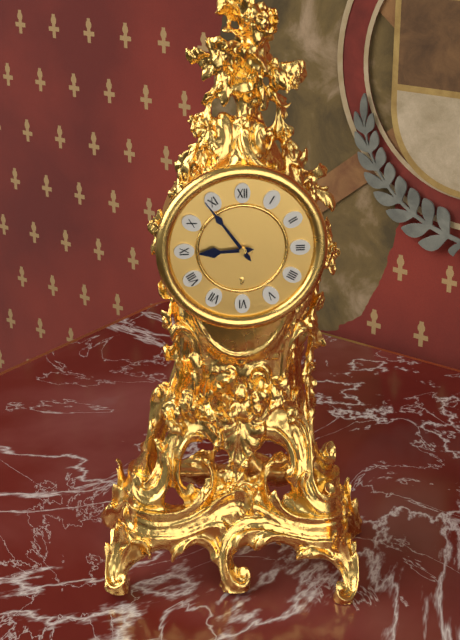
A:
h=8 m=54
